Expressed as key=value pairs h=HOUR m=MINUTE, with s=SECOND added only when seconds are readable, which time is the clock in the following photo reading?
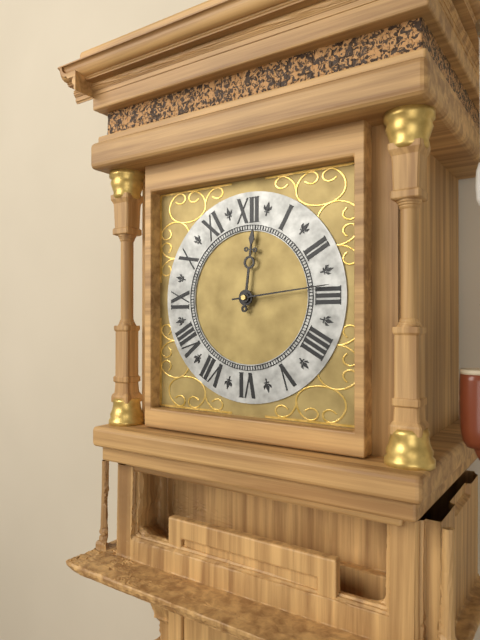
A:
h=12 m=14
